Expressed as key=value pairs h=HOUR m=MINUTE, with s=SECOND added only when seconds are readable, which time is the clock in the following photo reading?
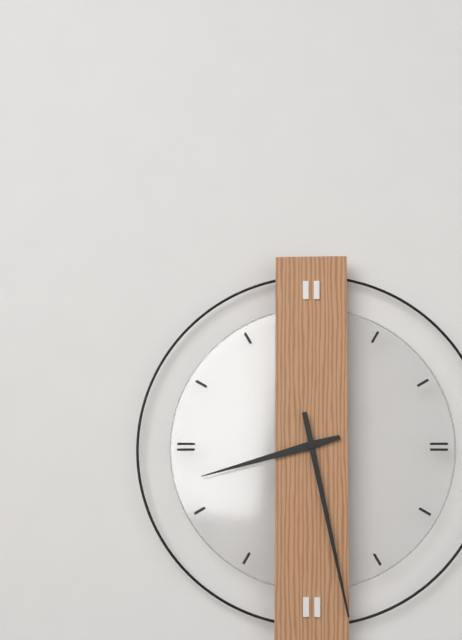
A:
h=8 m=28
